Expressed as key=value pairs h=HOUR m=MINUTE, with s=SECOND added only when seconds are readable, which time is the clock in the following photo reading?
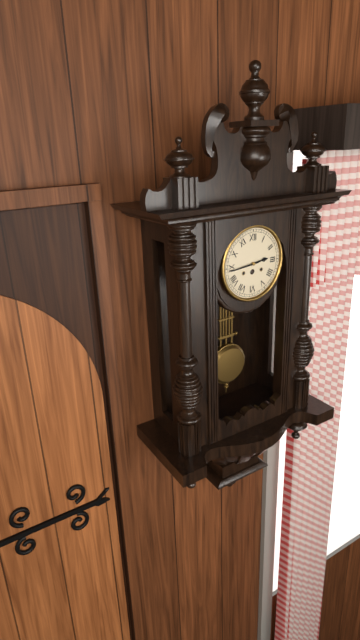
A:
h=2 m=44
